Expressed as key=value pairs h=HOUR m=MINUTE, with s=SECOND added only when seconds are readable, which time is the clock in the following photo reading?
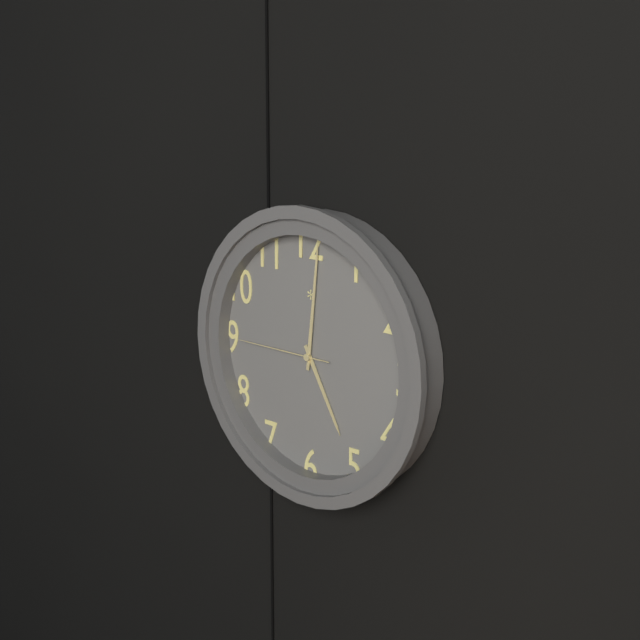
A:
h=5 m=1 s=45
